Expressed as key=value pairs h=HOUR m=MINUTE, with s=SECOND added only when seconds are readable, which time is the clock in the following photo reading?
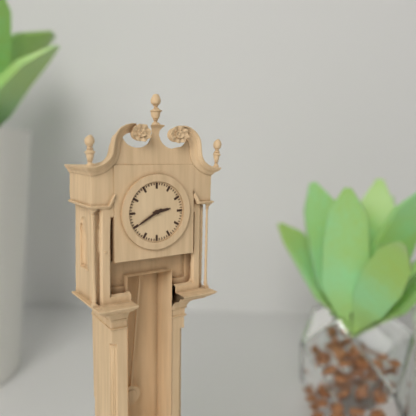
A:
h=2 m=40
